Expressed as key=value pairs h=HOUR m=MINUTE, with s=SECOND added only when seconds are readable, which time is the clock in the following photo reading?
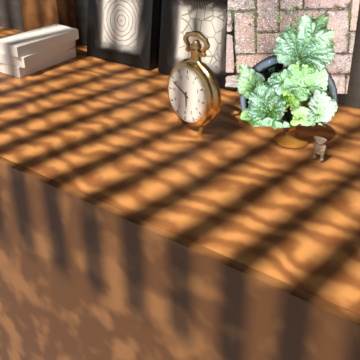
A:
h=5 m=49
